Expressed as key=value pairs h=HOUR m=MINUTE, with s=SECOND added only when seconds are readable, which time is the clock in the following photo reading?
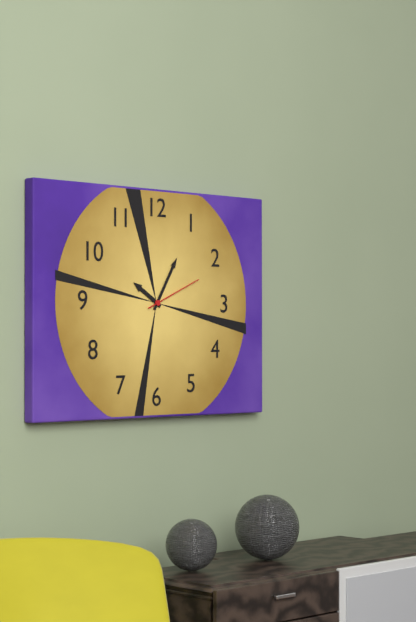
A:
h=10 m=5 s=11
